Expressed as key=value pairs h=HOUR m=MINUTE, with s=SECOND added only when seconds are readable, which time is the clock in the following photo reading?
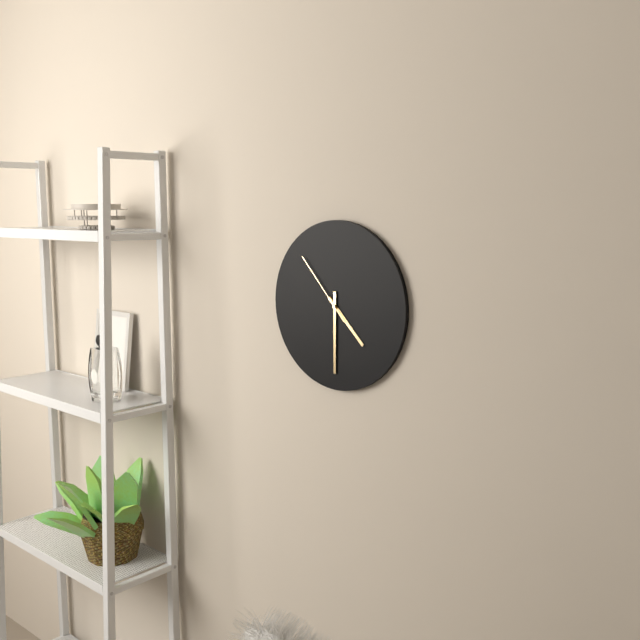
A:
h=4 m=30 s=53
